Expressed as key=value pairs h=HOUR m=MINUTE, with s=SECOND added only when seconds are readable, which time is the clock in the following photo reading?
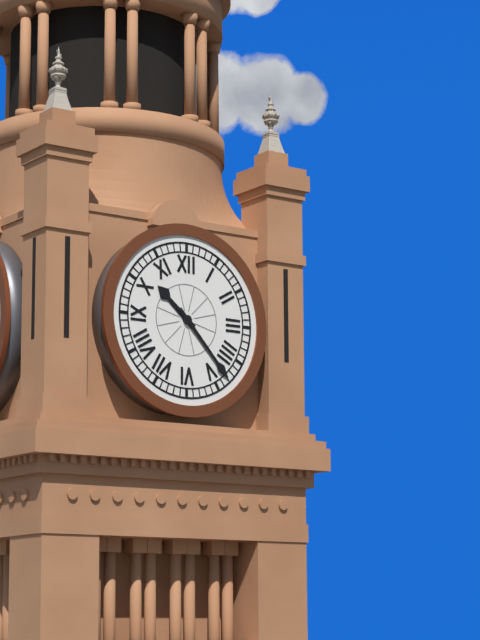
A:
h=10 m=23
